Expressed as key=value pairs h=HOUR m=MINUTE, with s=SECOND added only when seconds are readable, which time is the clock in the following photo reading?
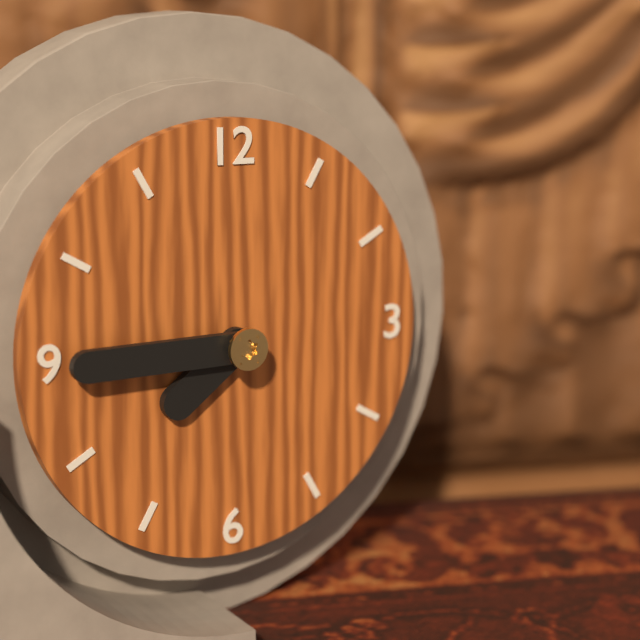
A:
h=7 m=45
